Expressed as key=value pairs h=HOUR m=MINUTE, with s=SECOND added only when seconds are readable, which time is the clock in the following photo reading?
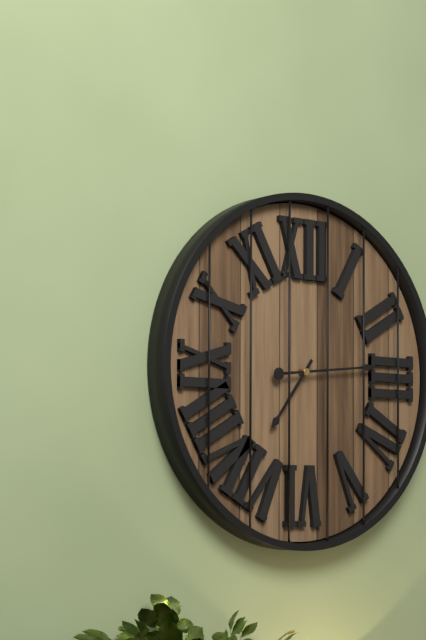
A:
h=7 m=14
